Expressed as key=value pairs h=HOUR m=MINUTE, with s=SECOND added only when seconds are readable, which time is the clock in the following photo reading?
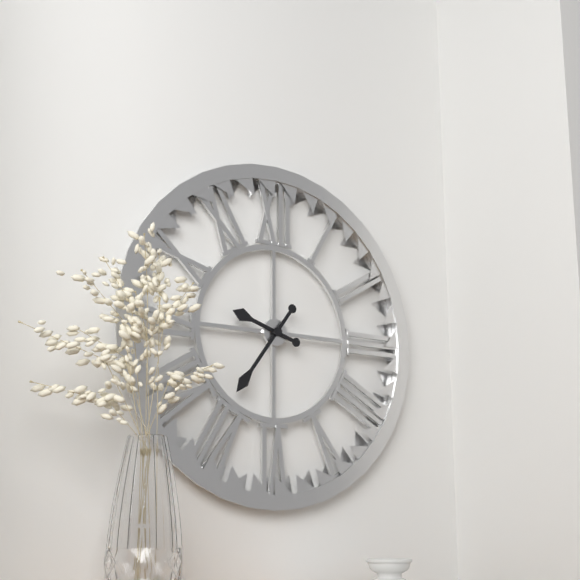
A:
h=9 m=36
